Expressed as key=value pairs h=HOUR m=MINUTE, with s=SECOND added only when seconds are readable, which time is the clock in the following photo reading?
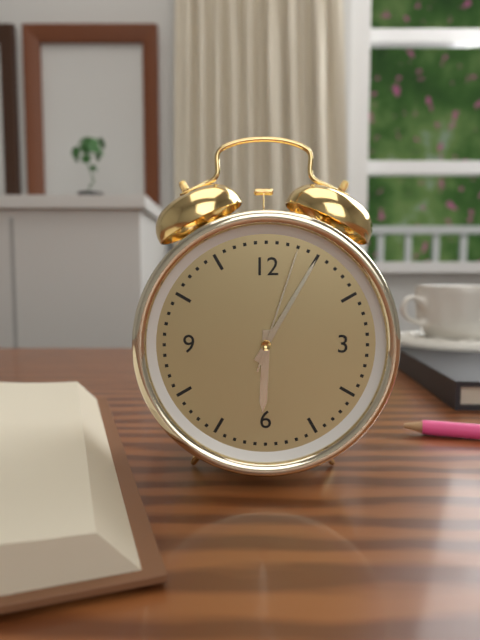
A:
h=6 m=5 s=3
